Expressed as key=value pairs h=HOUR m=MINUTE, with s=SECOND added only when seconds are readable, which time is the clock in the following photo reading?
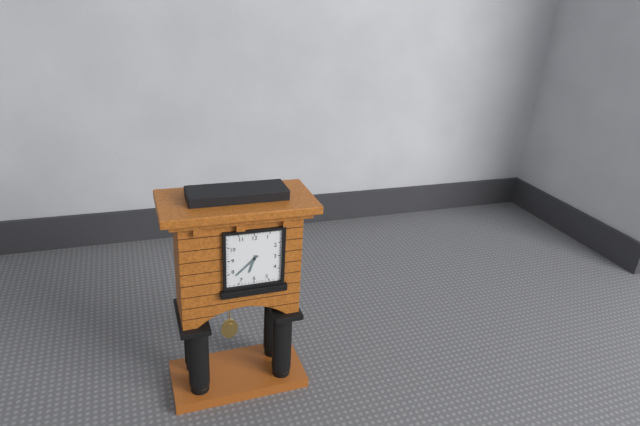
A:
h=6 m=38
